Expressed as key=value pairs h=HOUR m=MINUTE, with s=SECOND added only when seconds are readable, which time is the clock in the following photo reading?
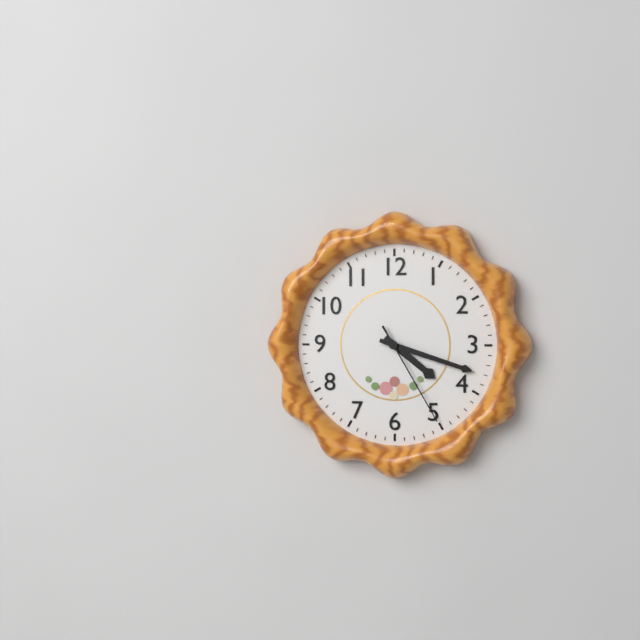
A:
h=4 m=18 s=25
